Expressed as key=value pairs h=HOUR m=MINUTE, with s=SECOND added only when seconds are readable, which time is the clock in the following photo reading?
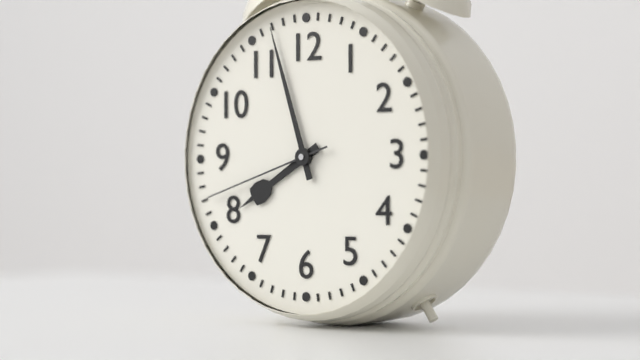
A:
h=7 m=57 s=42
